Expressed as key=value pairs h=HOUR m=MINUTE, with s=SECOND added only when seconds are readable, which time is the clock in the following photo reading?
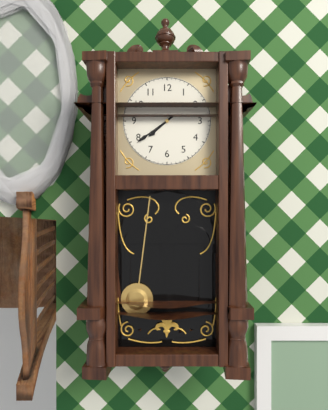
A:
h=7 m=39
